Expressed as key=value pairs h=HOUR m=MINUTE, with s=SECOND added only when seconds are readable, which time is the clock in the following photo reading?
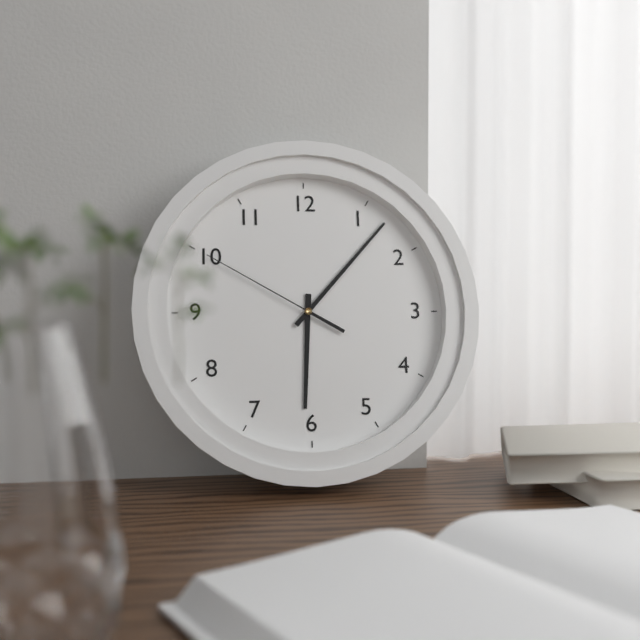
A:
h=6 m=7 s=50
